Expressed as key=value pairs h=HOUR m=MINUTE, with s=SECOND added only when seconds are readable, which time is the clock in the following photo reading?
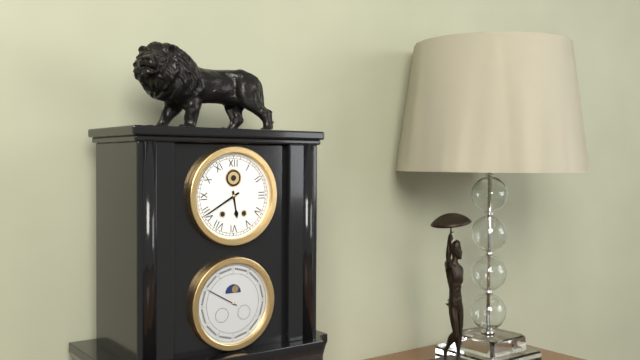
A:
h=5 m=40
